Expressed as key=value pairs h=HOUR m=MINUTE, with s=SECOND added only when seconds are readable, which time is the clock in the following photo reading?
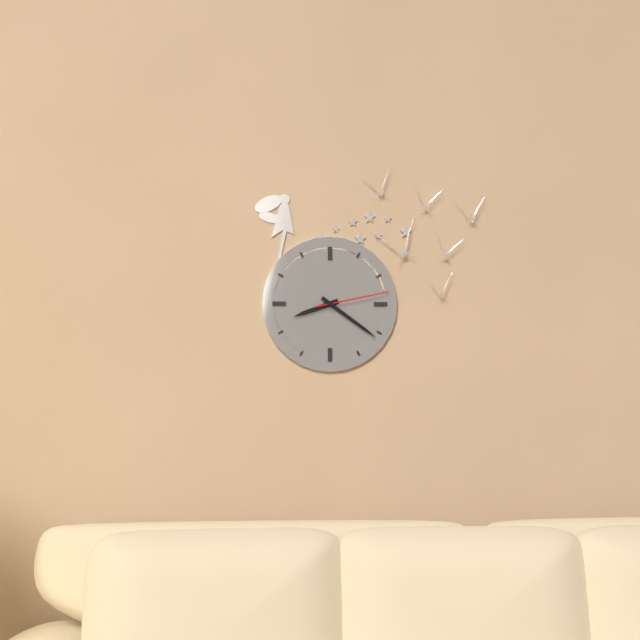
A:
h=8 m=21 s=13
